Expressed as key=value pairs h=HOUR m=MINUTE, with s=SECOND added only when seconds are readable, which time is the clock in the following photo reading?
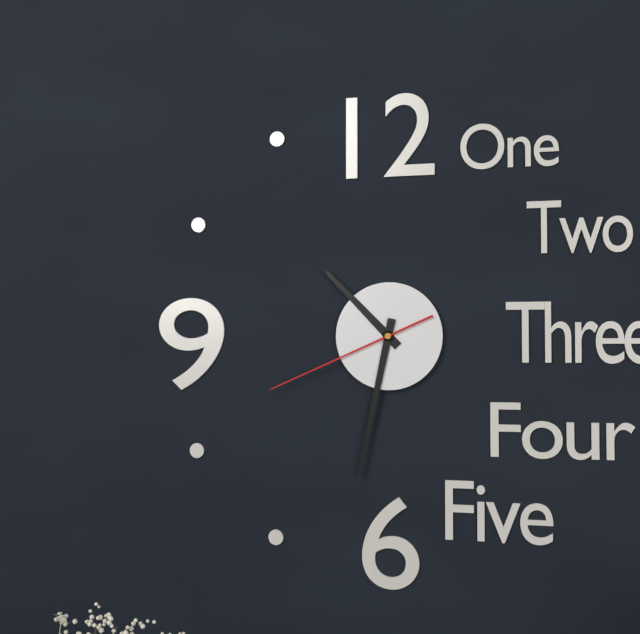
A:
h=10 m=32 s=41
